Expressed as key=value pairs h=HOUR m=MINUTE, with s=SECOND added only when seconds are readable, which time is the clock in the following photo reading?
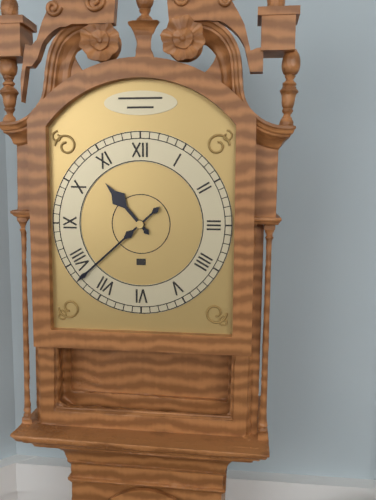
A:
h=10 m=38
